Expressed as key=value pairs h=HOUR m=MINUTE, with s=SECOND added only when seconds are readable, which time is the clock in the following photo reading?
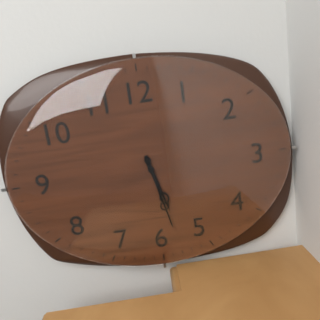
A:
h=5 m=28
